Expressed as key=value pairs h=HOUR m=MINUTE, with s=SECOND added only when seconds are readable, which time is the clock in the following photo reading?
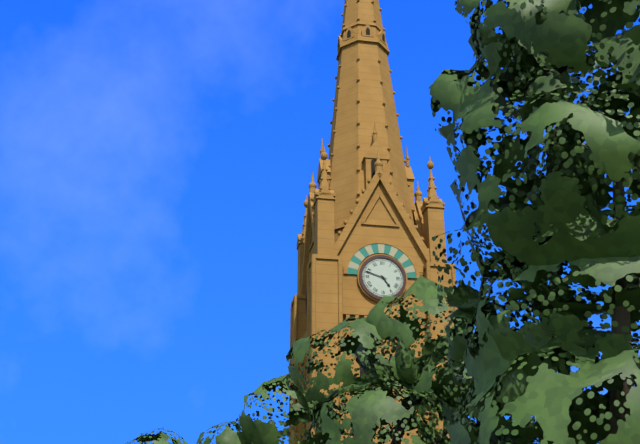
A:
h=4 m=48
